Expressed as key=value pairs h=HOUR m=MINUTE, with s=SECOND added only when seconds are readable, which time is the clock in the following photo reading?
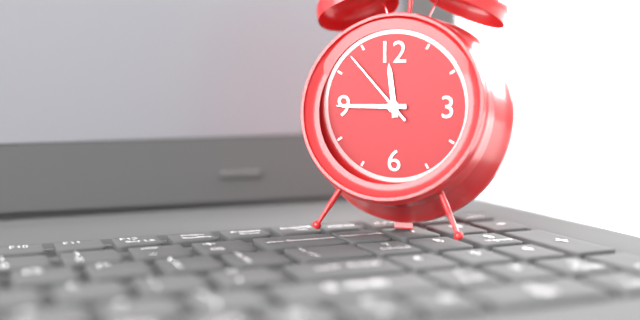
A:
h=11 m=45 s=53
